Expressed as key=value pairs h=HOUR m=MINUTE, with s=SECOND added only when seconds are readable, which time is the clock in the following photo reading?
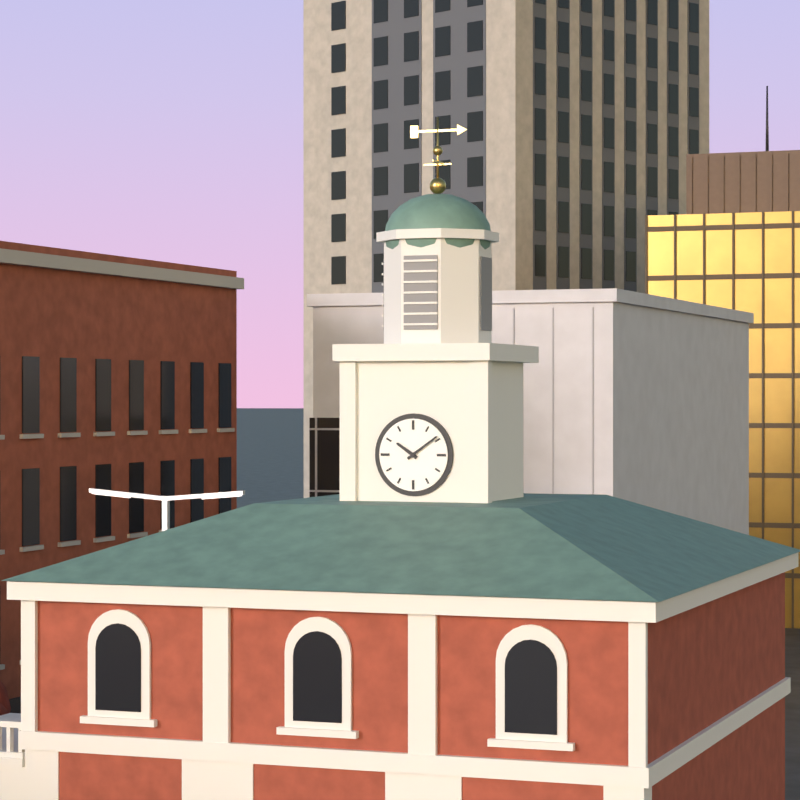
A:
h=10 m=9
